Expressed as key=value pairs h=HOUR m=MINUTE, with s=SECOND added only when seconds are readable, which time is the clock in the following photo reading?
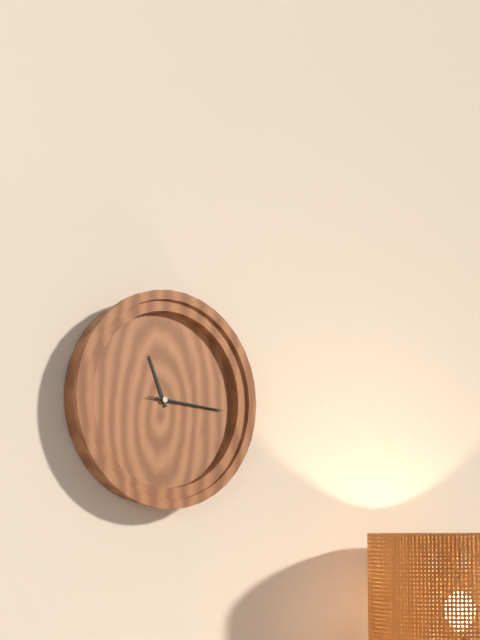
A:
h=11 m=16 s=16
